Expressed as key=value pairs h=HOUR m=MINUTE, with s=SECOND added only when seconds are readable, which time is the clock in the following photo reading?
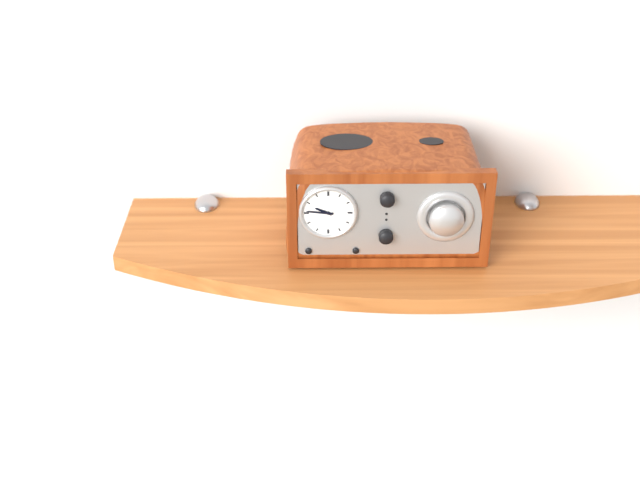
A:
h=9 m=46
